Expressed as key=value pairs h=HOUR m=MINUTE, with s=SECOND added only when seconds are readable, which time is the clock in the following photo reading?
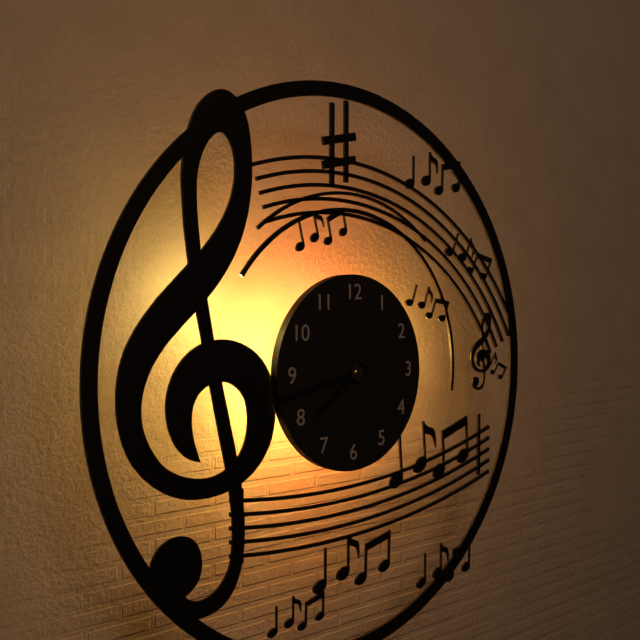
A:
h=7 m=43
